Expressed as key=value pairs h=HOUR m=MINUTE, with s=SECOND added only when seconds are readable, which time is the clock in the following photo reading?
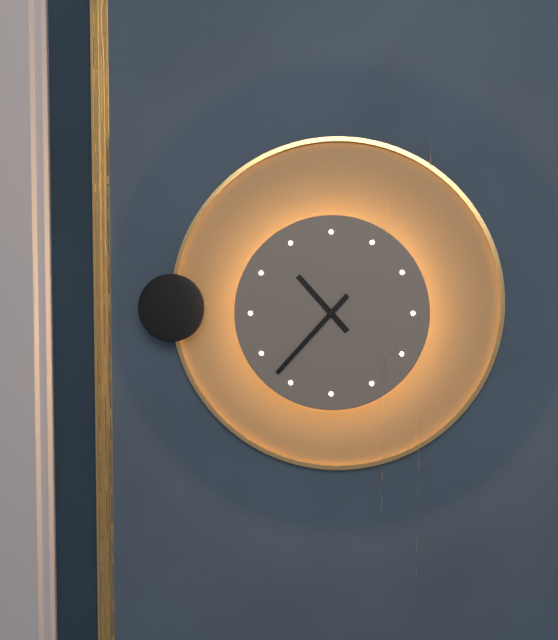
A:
h=10 m=37
